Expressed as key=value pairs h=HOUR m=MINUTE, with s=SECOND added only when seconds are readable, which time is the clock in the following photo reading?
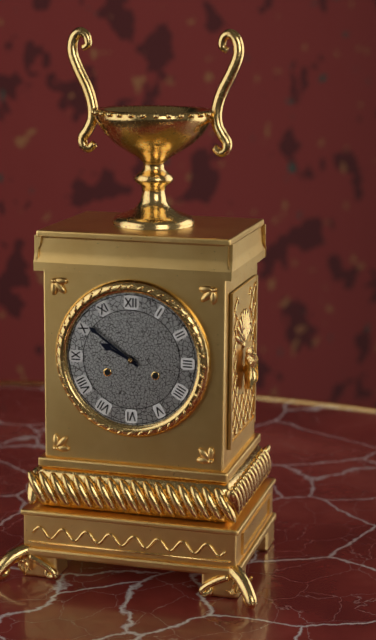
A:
h=9 m=51
